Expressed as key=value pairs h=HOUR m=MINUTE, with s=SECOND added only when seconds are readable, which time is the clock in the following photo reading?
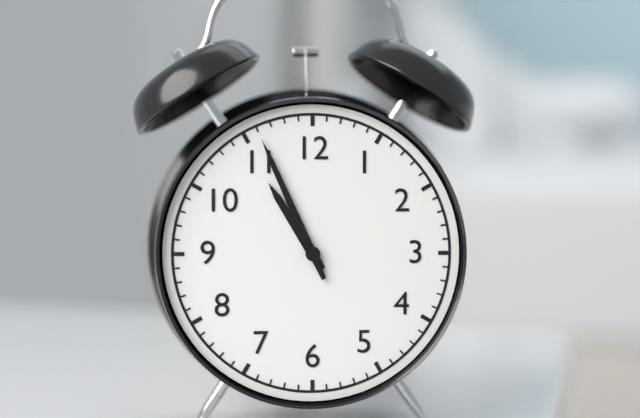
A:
h=10 m=56
